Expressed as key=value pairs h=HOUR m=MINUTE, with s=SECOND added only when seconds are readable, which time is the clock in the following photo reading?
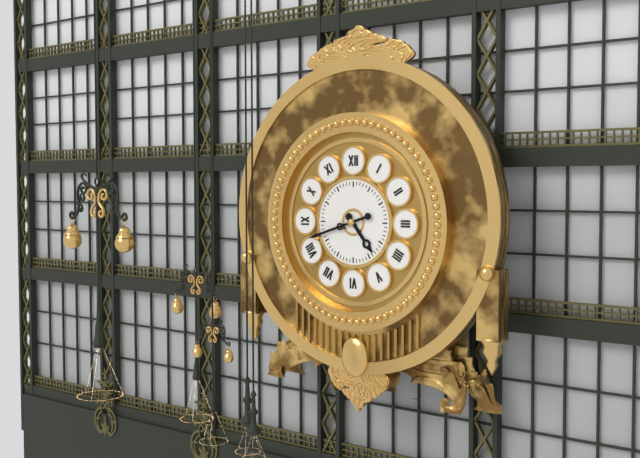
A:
h=4 m=42
